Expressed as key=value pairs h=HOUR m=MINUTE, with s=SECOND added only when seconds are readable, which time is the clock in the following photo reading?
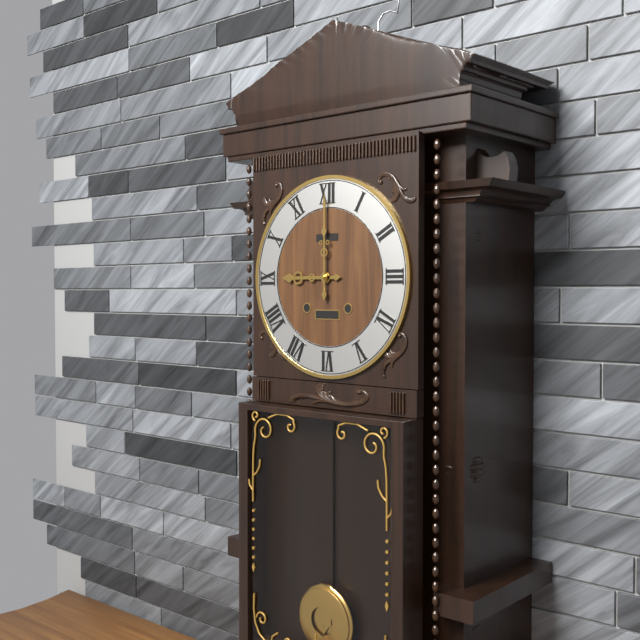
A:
h=9 m=0
